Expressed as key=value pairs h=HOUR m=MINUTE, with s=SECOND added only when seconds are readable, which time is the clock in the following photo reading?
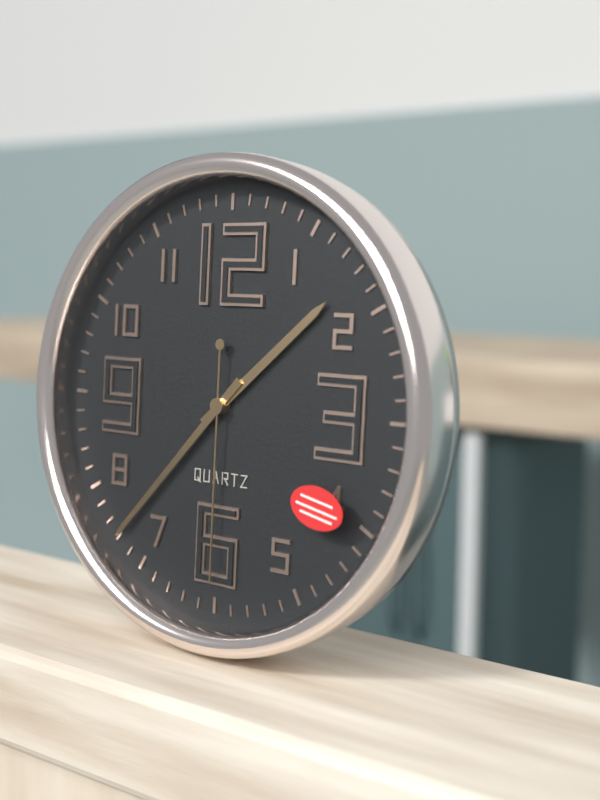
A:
h=1 m=37 s=30
